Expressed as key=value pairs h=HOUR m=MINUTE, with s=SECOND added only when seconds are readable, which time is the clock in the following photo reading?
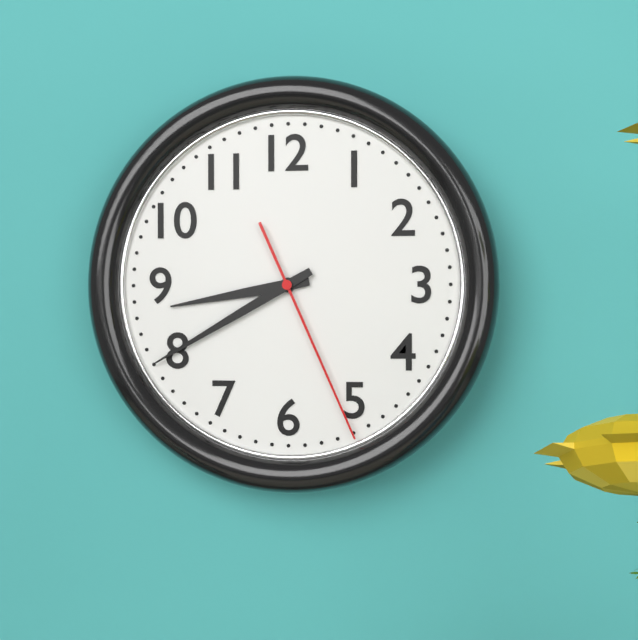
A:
h=8 m=40 s=26
